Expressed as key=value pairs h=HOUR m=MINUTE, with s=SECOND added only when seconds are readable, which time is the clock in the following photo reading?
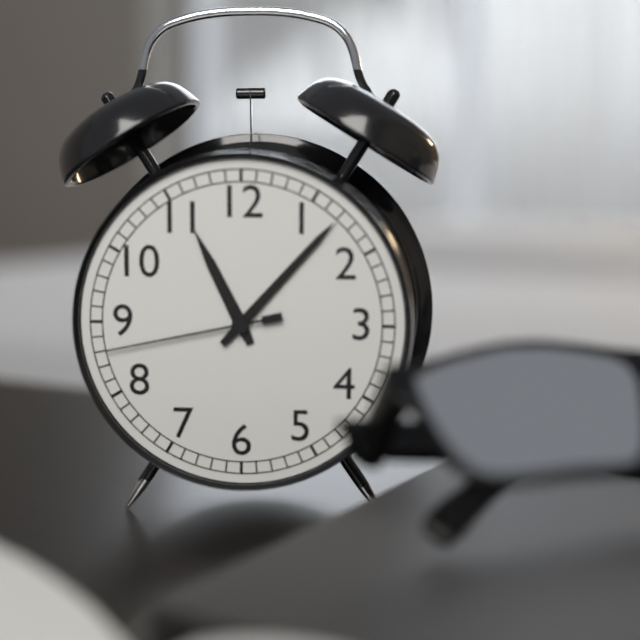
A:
h=11 m=7 s=43
